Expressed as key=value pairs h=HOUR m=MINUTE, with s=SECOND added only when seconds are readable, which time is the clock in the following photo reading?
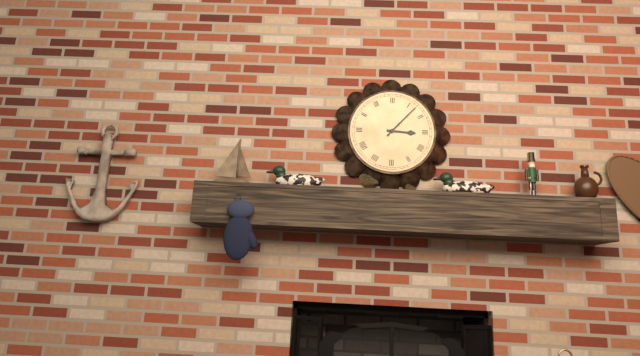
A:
h=3 m=7
